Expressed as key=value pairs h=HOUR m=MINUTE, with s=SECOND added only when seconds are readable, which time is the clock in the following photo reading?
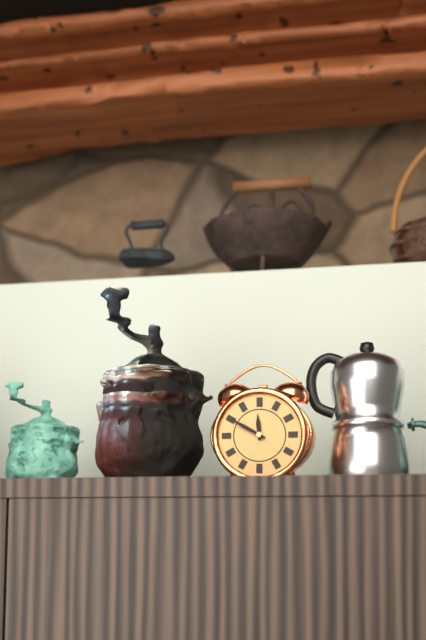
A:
h=11 m=50
